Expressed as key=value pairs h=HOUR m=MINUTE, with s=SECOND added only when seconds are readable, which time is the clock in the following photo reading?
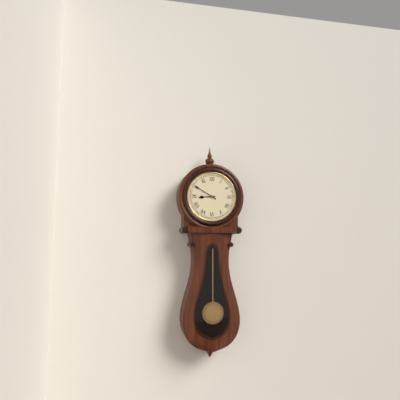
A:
h=8 m=50
